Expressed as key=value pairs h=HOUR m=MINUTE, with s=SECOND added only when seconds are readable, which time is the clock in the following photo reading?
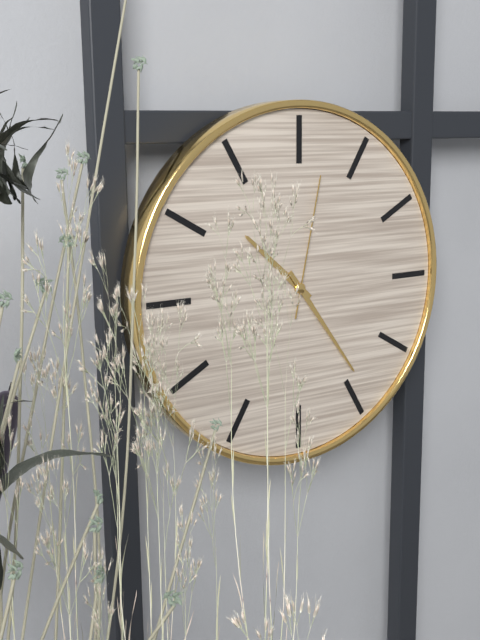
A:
h=10 m=24 s=2
